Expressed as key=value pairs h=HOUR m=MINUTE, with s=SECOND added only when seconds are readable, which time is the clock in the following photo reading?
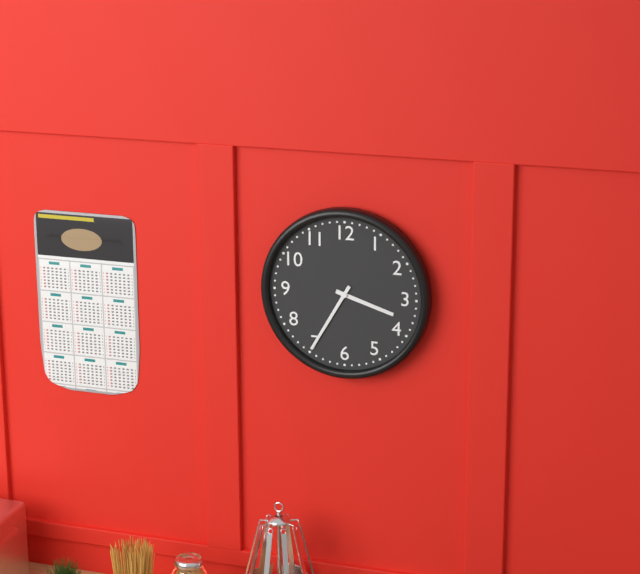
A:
h=3 m=35
